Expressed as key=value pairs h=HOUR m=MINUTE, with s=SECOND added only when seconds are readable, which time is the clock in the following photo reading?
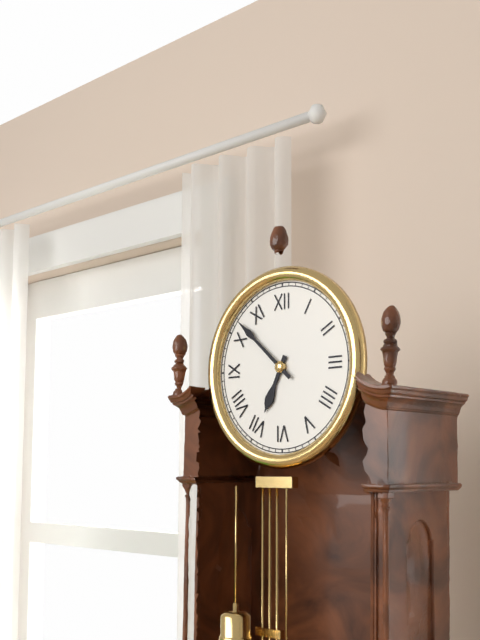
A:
h=6 m=52
